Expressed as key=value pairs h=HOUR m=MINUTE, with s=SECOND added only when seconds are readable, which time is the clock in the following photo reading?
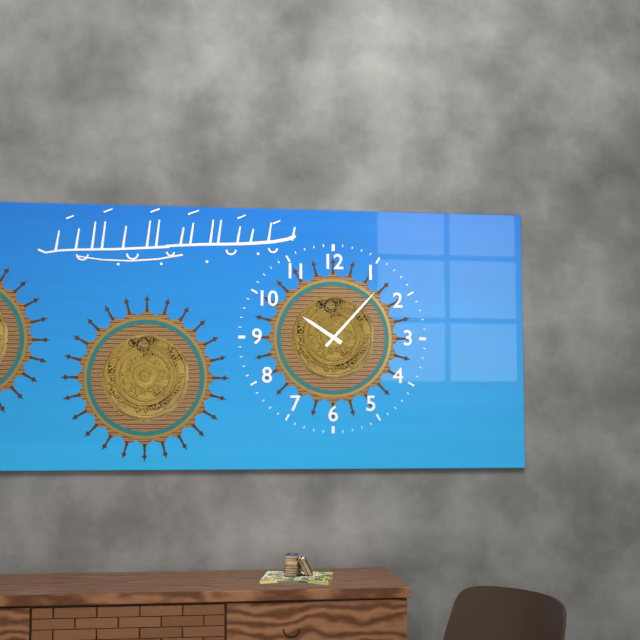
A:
h=10 m=7
